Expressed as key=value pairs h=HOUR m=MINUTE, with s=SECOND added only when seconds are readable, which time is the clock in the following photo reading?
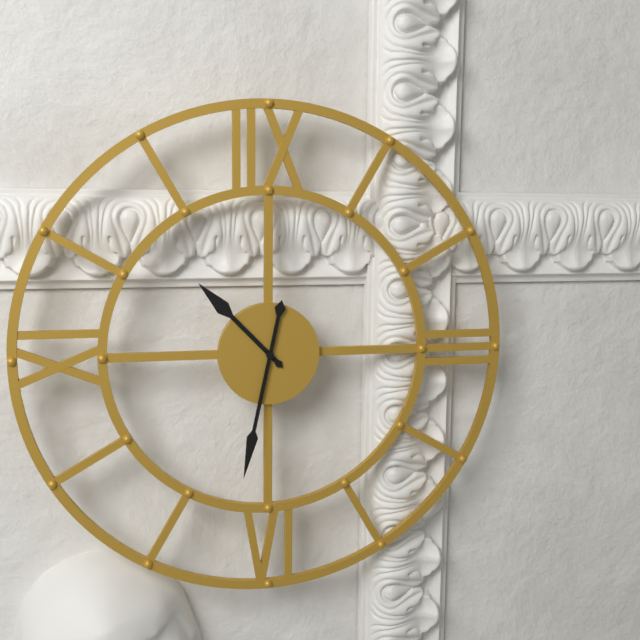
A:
h=10 m=32
